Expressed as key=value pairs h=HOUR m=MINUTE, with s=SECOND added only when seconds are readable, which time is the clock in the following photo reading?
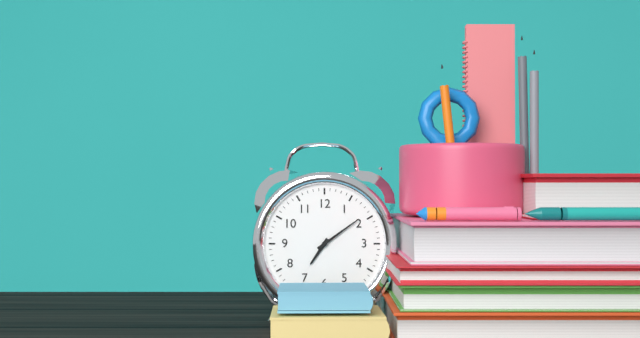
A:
h=7 m=9
